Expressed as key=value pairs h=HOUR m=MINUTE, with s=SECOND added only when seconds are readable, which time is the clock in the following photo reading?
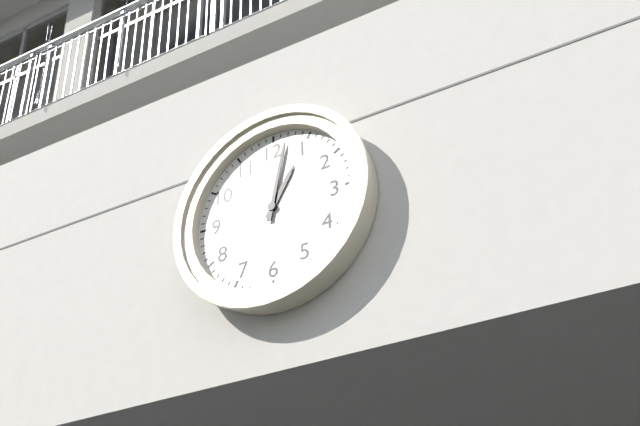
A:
h=1 m=2
